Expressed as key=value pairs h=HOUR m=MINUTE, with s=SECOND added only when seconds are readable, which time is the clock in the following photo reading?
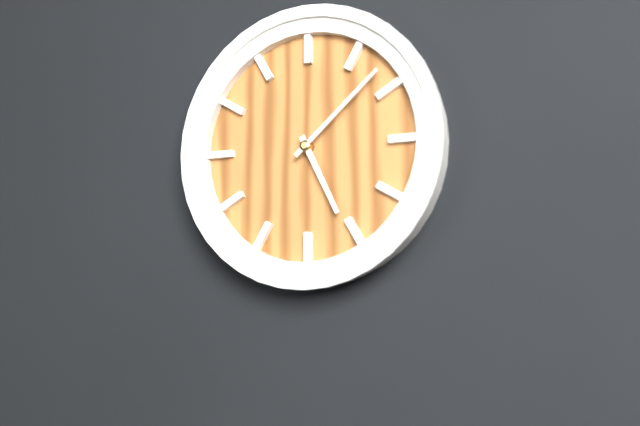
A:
h=5 m=8
